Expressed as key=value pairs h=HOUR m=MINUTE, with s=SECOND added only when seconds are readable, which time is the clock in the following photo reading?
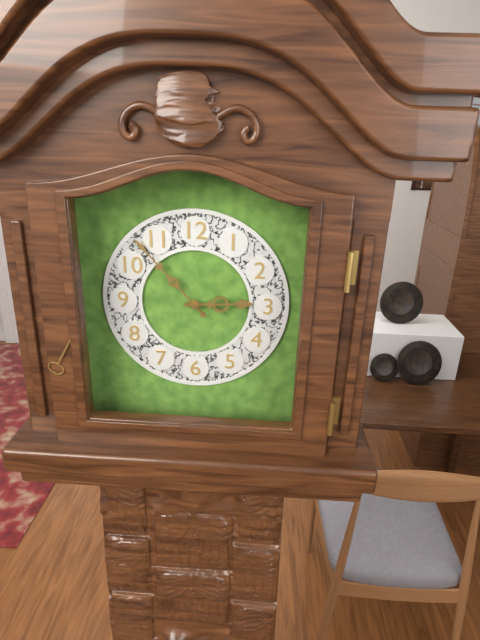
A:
h=2 m=53
